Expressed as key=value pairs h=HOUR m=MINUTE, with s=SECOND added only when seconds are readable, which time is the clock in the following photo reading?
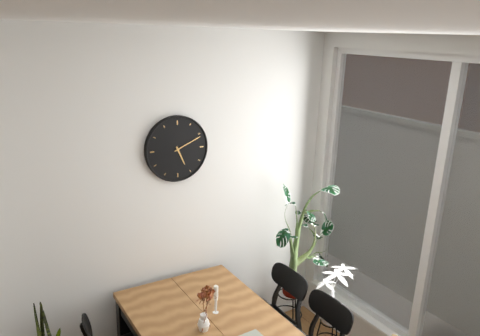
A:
h=5 m=11
